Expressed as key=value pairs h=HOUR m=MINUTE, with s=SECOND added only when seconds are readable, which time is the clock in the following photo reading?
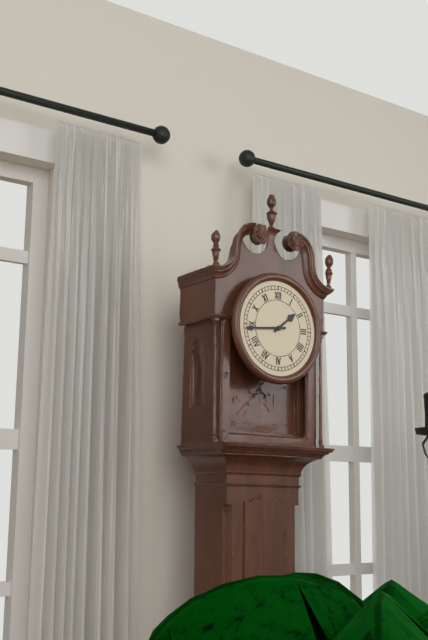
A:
h=1 m=44
